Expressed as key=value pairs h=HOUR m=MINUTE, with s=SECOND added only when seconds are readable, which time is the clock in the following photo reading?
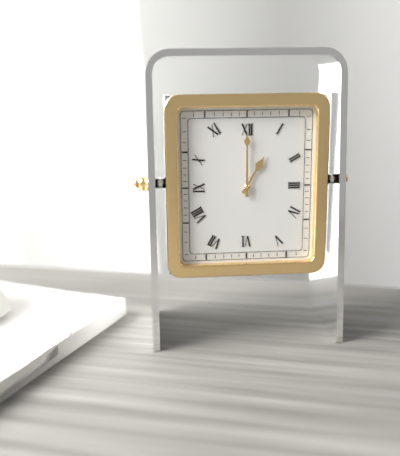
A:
h=1 m=0
